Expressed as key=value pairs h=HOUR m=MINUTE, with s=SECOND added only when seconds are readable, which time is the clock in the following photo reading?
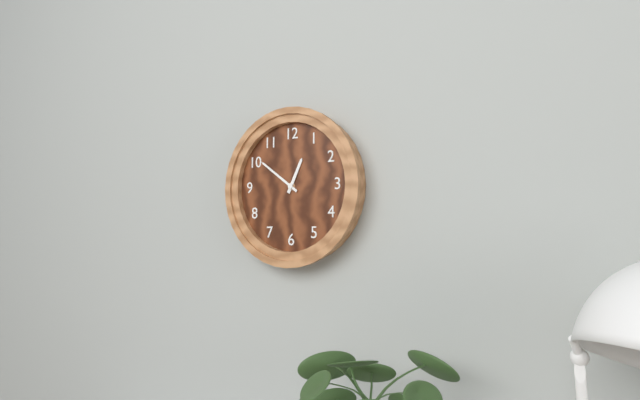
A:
h=12 m=51
